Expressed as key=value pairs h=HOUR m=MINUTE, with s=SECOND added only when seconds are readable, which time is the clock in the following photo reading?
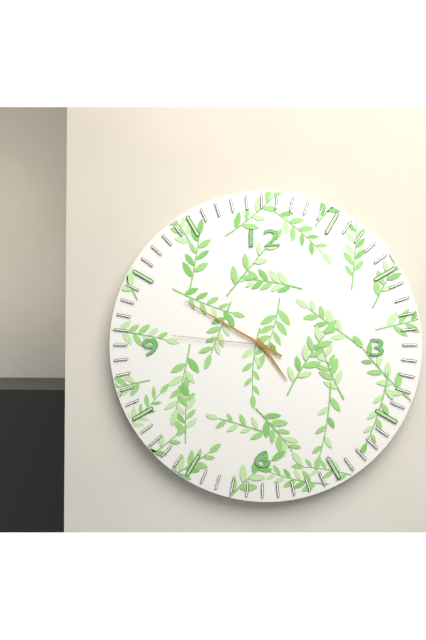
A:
h=4 m=50 s=46
